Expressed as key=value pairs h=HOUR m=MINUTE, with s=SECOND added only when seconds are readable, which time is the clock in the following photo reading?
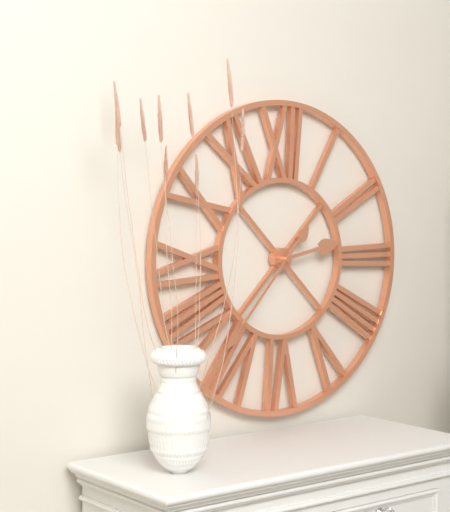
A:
h=2 m=37
